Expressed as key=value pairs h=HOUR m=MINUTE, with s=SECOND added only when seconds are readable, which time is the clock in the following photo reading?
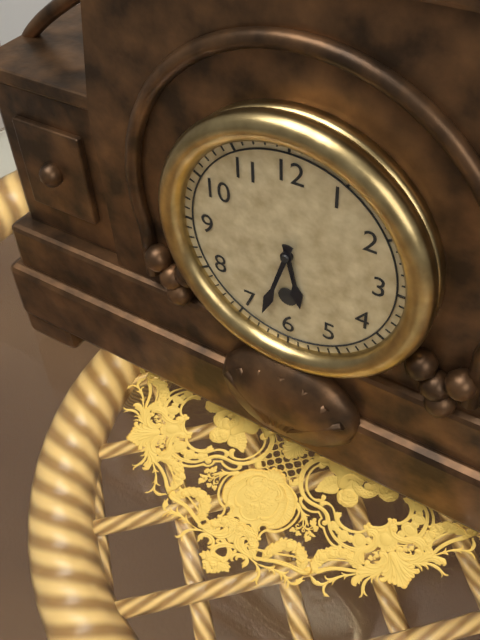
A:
h=5 m=33
